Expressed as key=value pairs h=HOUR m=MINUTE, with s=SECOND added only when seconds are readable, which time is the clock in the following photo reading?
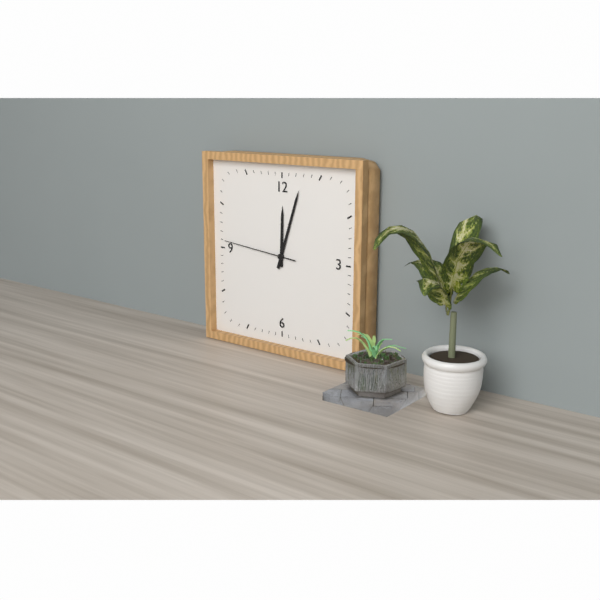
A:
h=12 m=3 s=46
